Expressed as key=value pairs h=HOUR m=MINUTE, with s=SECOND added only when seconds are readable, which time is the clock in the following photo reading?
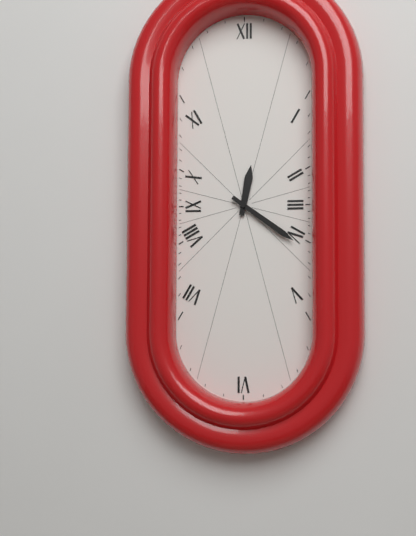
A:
h=12 m=21
